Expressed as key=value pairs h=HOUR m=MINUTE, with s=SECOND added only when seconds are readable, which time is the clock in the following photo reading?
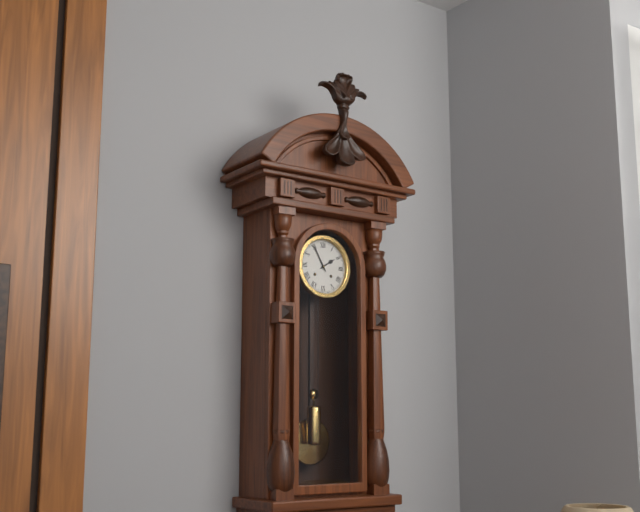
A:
h=1 m=55
